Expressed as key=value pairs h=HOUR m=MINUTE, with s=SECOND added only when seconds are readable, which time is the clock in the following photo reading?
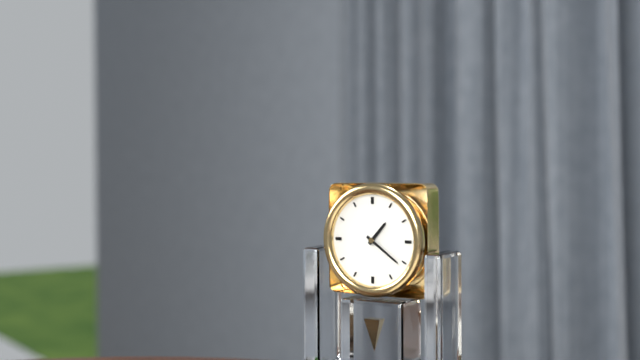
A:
h=1 m=21
